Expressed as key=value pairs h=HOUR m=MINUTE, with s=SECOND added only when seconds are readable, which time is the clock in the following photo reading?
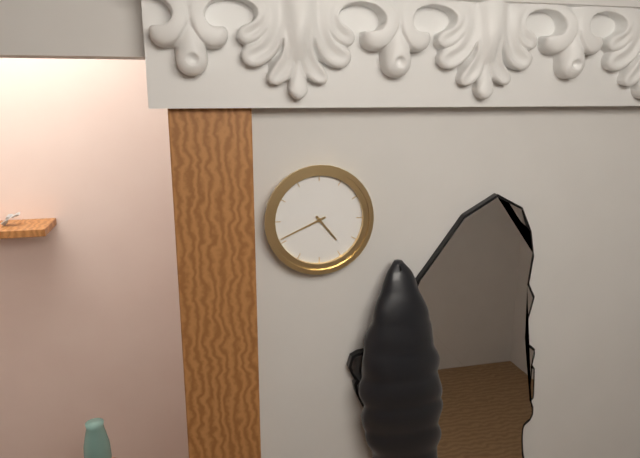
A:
h=4 m=41
